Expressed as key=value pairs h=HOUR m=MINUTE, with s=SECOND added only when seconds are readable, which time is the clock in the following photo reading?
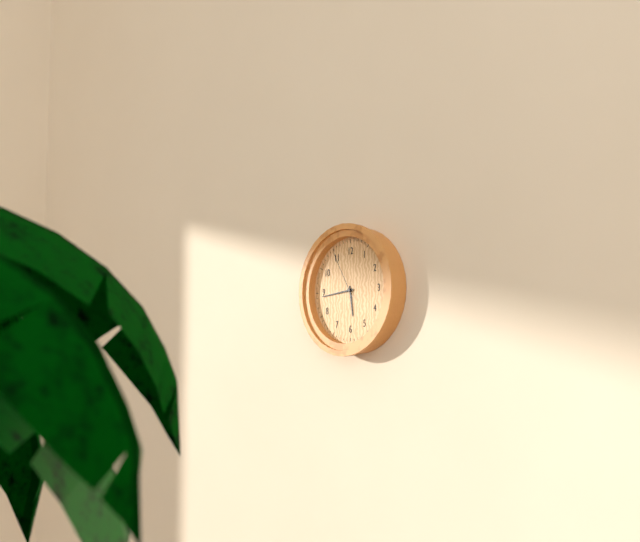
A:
h=5 m=44 s=55
